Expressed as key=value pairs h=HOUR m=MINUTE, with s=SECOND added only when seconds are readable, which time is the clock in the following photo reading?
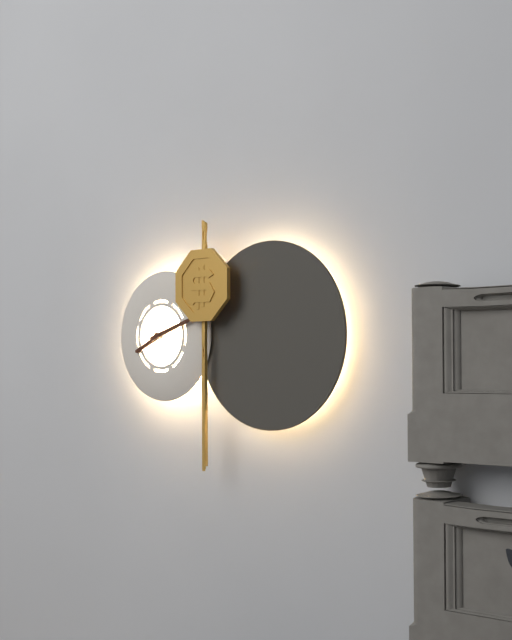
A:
h=8 m=12
